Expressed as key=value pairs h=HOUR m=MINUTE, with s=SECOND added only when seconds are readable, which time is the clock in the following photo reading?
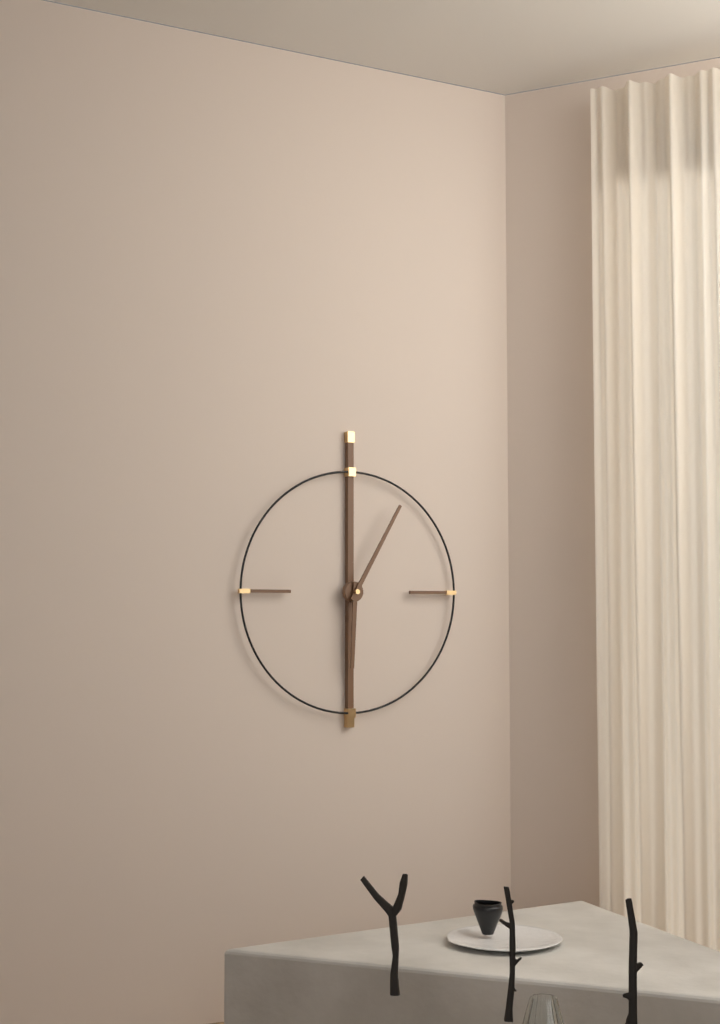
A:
h=6 m=5
